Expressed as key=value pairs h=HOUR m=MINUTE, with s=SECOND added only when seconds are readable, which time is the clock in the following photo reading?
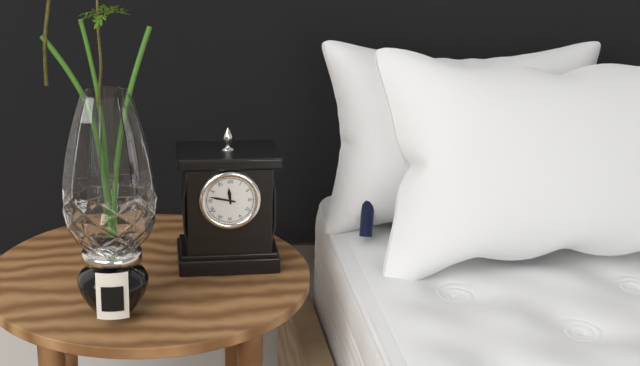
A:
h=11 m=47
